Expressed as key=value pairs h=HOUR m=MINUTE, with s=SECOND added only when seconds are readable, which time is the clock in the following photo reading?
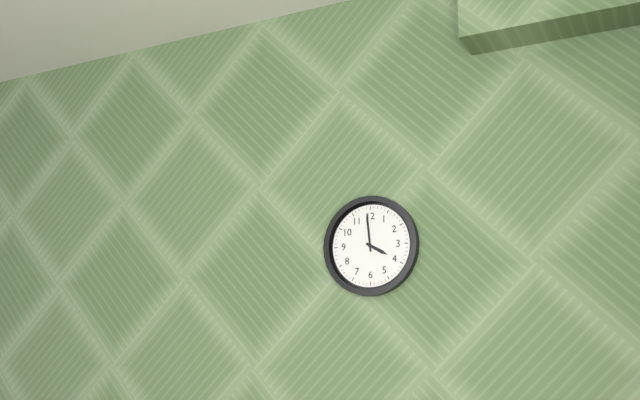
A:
h=3 m=59
